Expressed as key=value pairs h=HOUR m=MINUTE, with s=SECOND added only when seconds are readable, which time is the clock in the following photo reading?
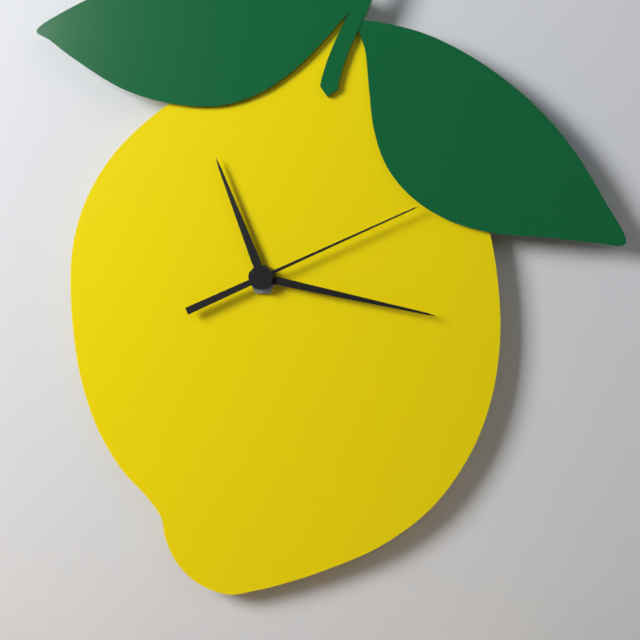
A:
h=11 m=17 s=11
